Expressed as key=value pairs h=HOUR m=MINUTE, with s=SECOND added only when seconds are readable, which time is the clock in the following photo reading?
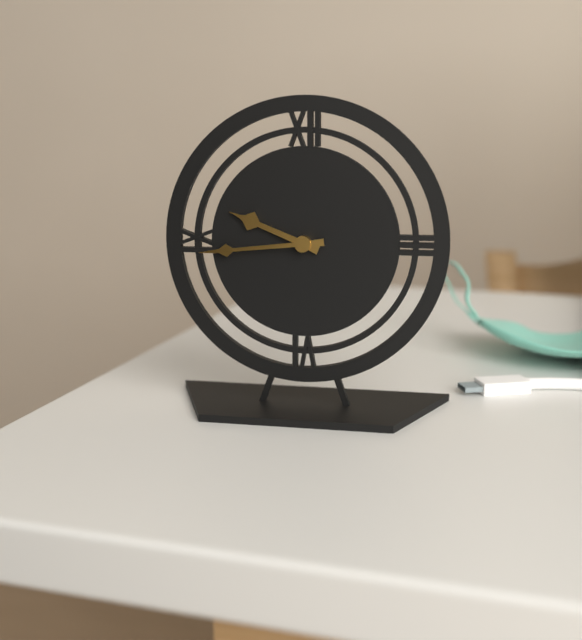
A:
h=9 m=44
